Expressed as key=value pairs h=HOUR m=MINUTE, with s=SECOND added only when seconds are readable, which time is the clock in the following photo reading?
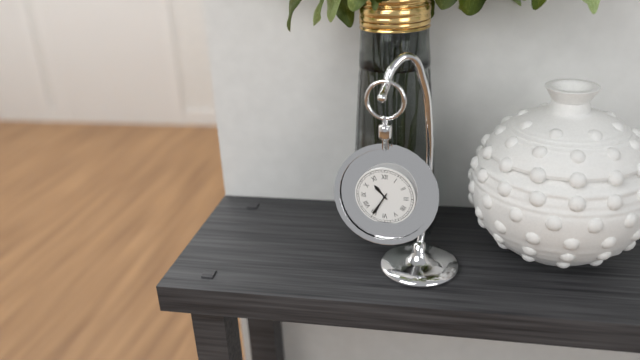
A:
h=10 m=35
